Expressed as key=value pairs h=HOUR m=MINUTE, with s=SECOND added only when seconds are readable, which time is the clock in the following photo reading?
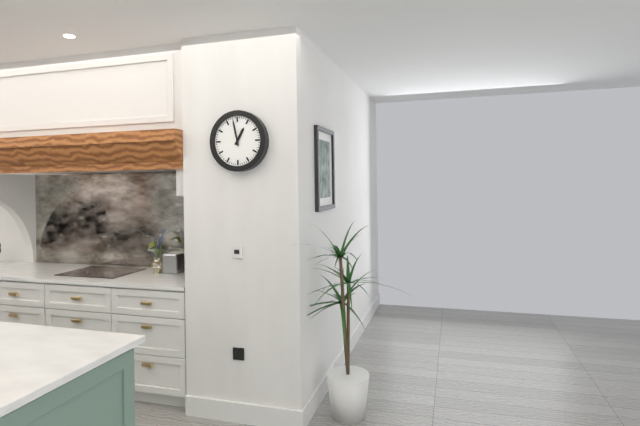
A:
h=12 m=58
